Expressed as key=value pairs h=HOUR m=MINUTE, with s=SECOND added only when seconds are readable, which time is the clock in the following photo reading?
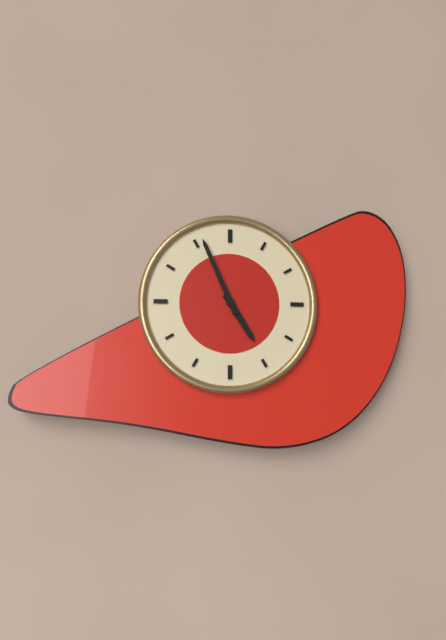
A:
h=4 m=56
